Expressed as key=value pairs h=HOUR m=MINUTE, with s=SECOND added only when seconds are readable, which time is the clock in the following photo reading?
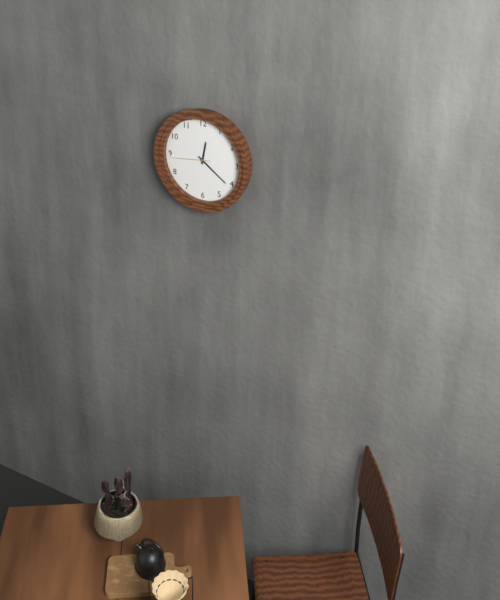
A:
h=12 m=21
